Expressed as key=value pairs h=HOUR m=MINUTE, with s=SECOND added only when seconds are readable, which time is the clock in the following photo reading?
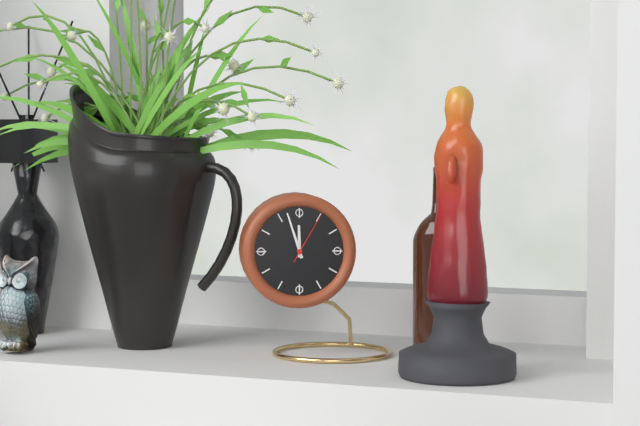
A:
h=11 m=57 s=5
